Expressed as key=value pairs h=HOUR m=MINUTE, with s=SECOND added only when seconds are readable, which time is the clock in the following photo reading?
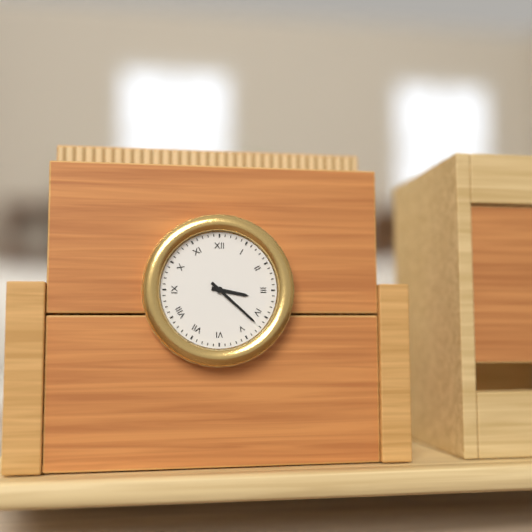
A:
h=3 m=22
